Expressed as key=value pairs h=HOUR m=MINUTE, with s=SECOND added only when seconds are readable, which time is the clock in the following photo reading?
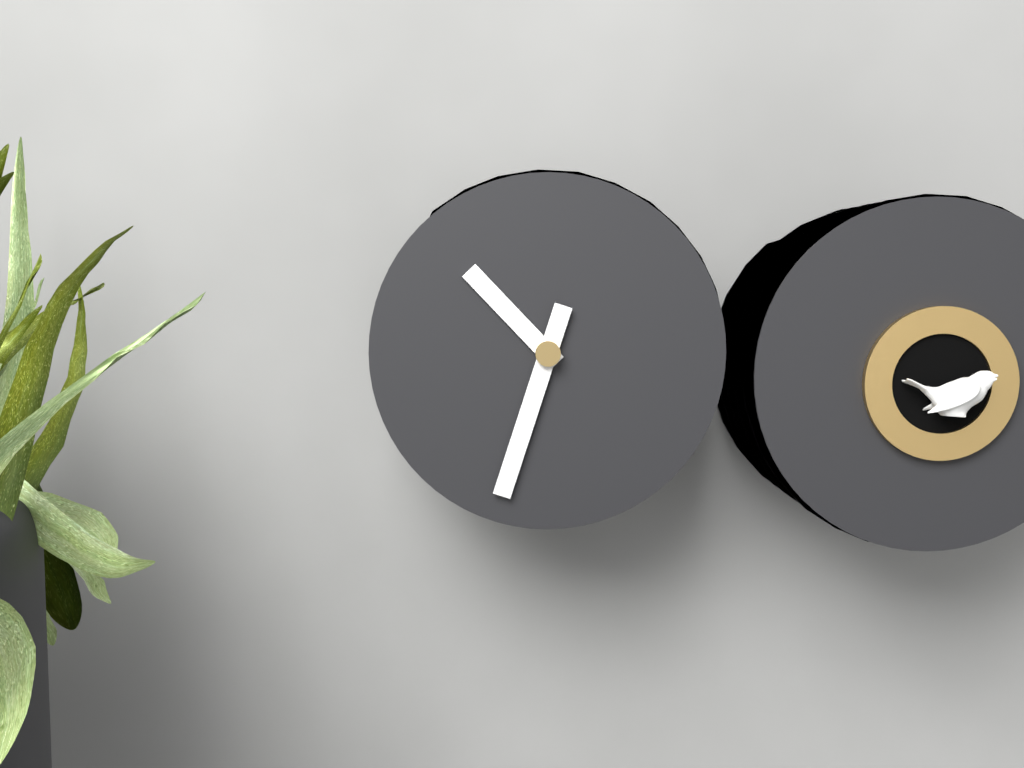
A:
h=10 m=33
